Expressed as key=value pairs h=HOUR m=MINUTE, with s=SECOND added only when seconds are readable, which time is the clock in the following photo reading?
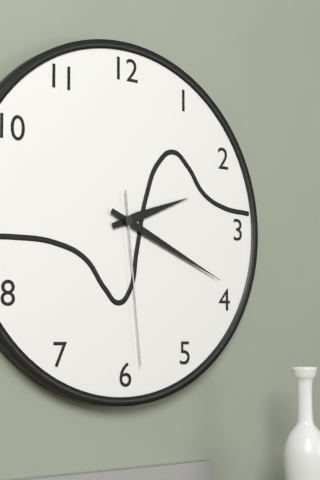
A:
h=2 m=19 s=29
